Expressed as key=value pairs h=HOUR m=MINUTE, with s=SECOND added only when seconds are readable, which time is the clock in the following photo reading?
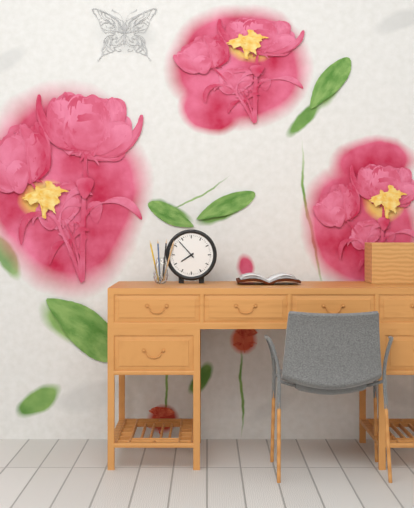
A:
h=7 m=53
